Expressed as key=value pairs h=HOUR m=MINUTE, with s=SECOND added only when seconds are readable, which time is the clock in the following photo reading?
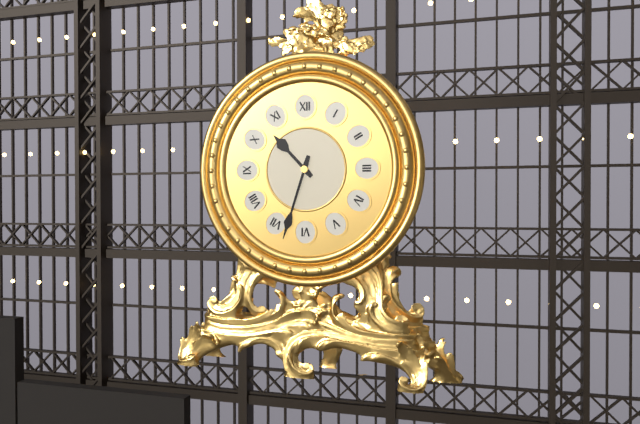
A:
h=10 m=33
